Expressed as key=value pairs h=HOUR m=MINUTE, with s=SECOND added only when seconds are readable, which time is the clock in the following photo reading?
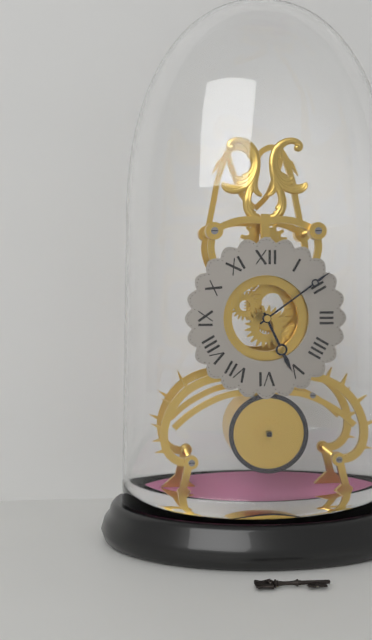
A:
h=5 m=9
